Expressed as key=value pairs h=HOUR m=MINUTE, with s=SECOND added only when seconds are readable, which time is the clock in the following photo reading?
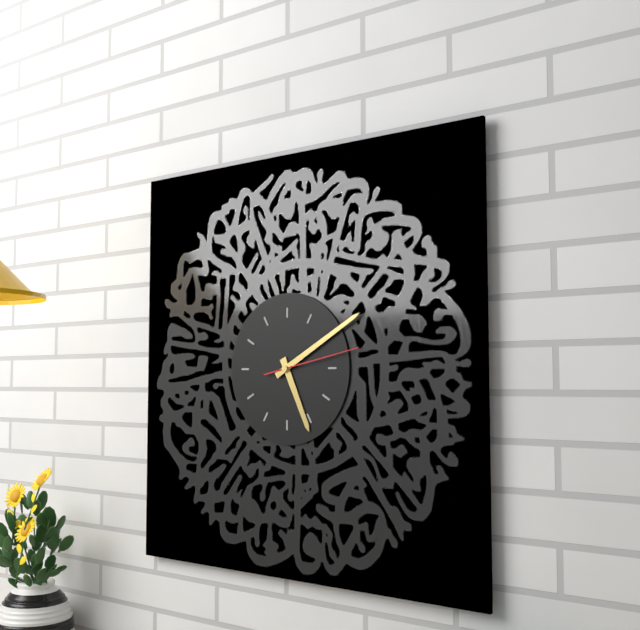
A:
h=5 m=10 s=13
